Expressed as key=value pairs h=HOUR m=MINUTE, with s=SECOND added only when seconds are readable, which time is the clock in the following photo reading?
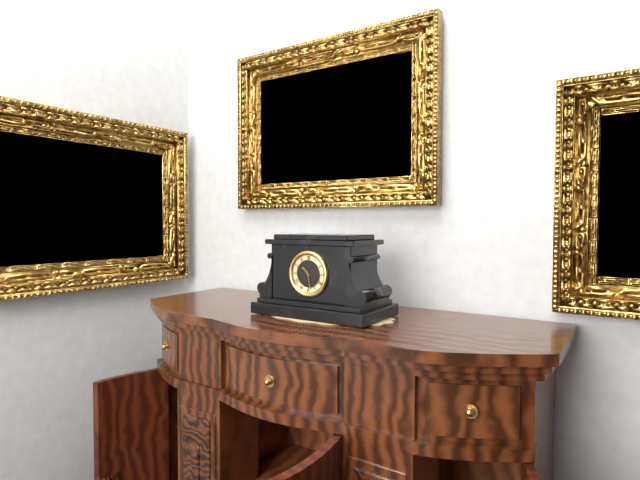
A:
h=10 m=28
